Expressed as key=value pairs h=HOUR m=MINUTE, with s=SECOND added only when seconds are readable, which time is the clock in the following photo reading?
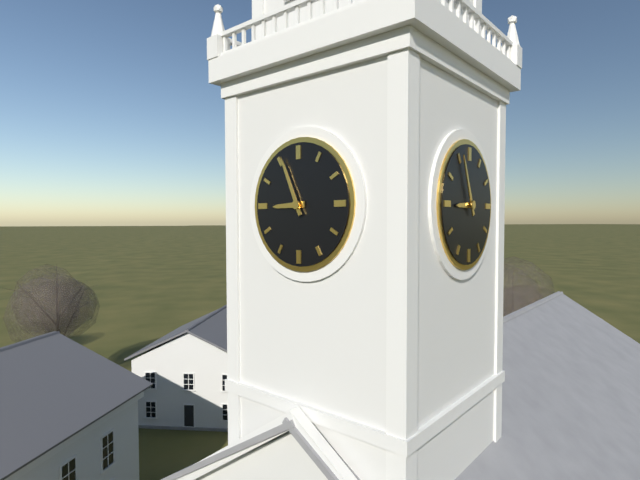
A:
h=8 m=56
